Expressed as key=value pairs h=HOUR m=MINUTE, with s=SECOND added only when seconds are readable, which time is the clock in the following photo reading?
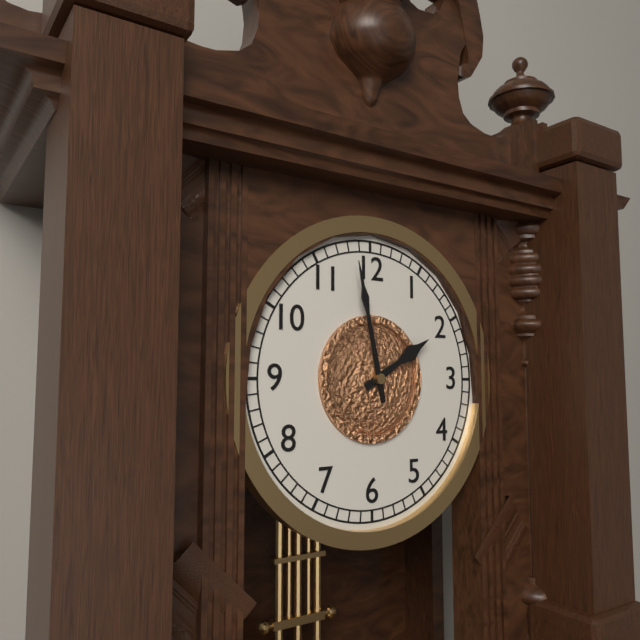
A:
h=1 m=58
